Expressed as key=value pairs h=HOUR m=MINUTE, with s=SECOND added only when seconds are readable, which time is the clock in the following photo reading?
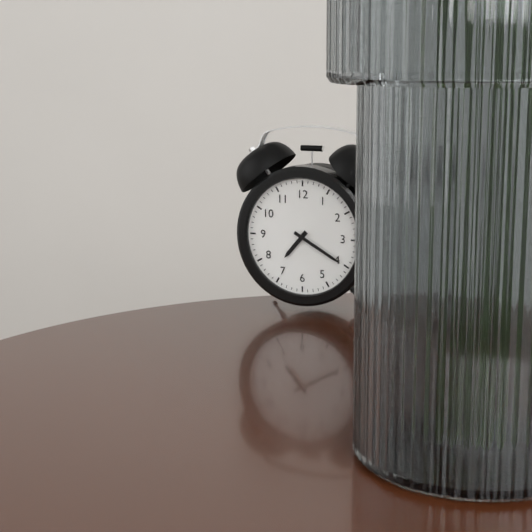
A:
h=7 m=20
